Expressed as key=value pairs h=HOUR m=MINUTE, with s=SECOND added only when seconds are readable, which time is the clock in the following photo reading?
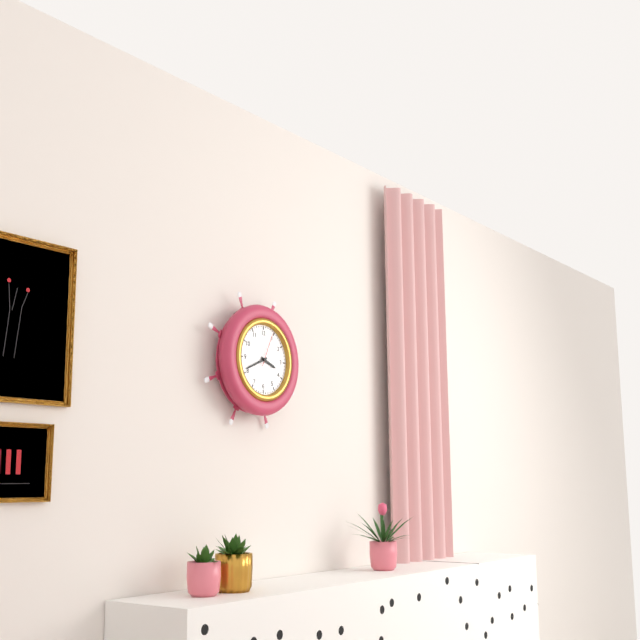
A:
h=3 m=41
